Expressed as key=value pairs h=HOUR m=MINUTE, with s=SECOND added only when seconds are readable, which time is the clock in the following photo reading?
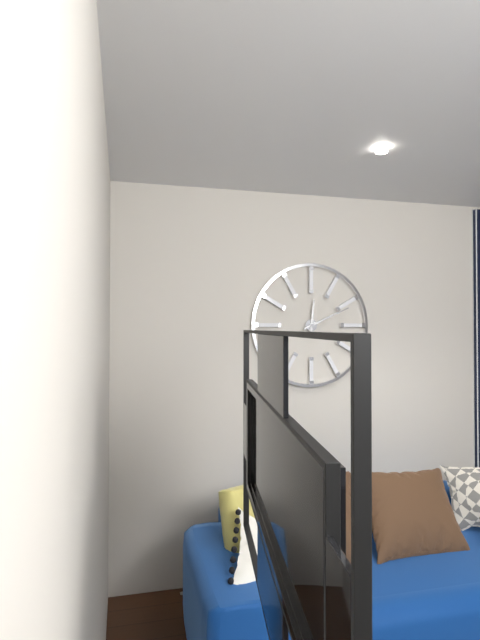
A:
h=12 m=11
